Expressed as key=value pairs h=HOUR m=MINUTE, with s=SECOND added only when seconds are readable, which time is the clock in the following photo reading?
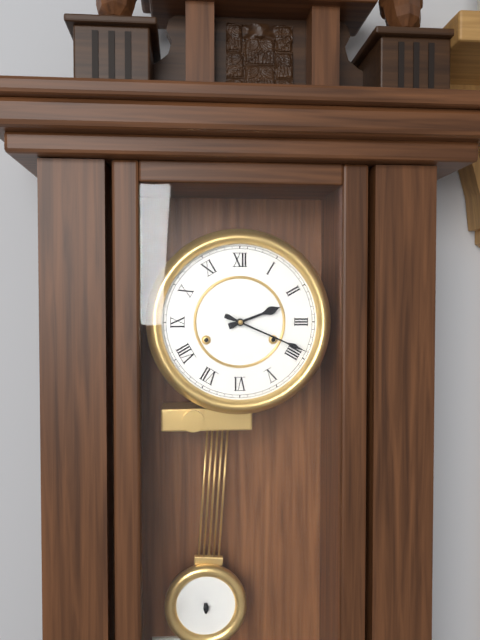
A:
h=2 m=19
